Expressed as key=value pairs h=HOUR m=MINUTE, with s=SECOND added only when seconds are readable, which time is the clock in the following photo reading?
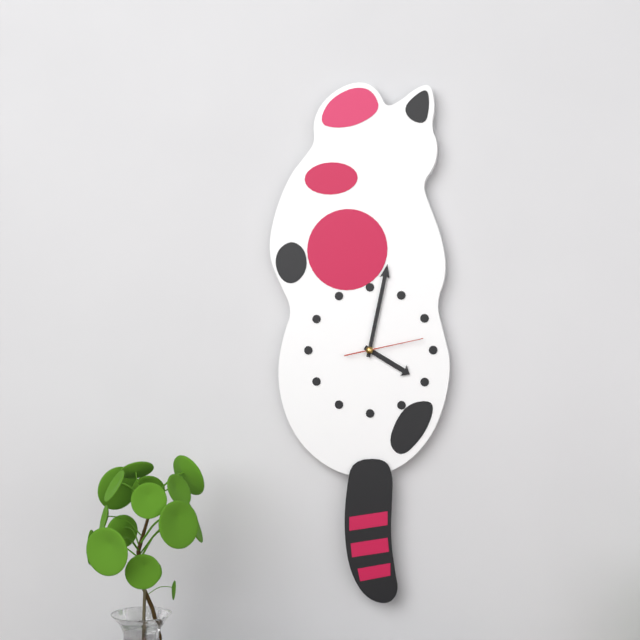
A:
h=4 m=2 s=13
